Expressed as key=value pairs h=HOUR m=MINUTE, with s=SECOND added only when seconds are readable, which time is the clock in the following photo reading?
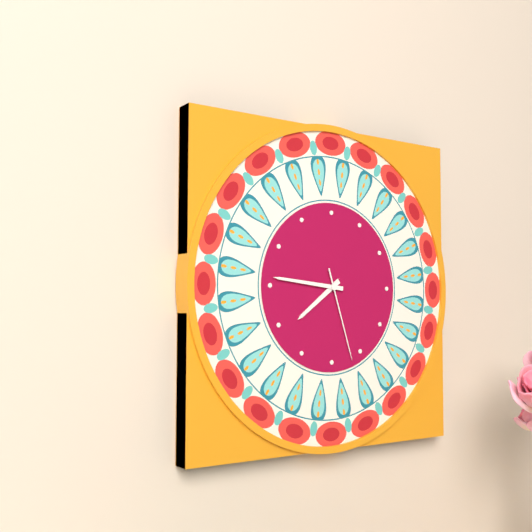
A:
h=7 m=46 s=27
